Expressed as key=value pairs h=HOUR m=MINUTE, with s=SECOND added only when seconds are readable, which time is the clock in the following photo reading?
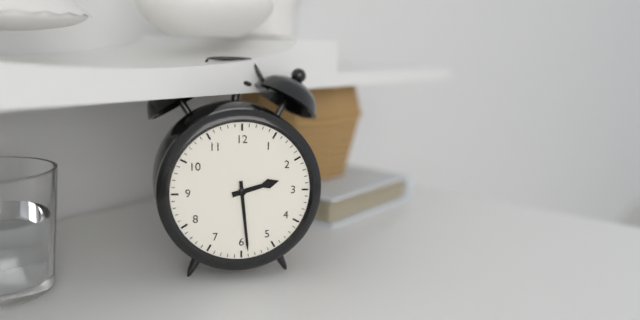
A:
h=2 m=29
